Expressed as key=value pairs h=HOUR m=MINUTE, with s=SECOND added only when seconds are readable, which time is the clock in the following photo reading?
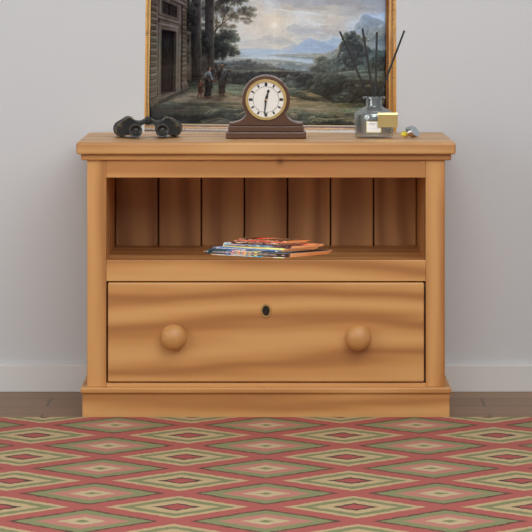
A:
h=12 m=31
